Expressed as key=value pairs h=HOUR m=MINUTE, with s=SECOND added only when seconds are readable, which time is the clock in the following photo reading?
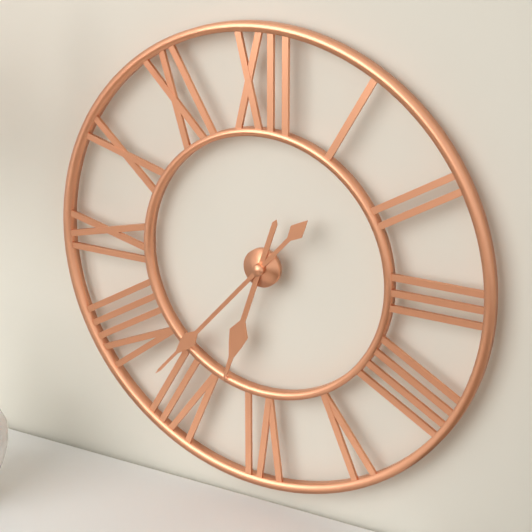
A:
h=6 m=37
